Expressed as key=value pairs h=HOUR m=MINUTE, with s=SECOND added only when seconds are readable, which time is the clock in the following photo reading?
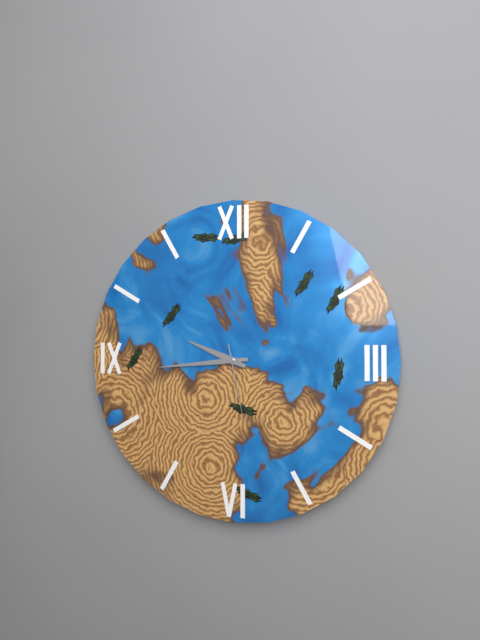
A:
h=9 m=44 s=28
